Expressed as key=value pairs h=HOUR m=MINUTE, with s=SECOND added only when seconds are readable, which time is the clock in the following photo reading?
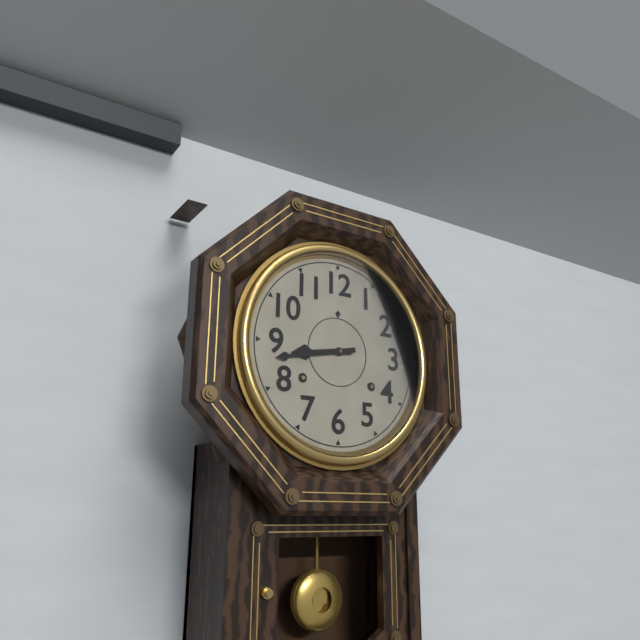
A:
h=8 m=43
